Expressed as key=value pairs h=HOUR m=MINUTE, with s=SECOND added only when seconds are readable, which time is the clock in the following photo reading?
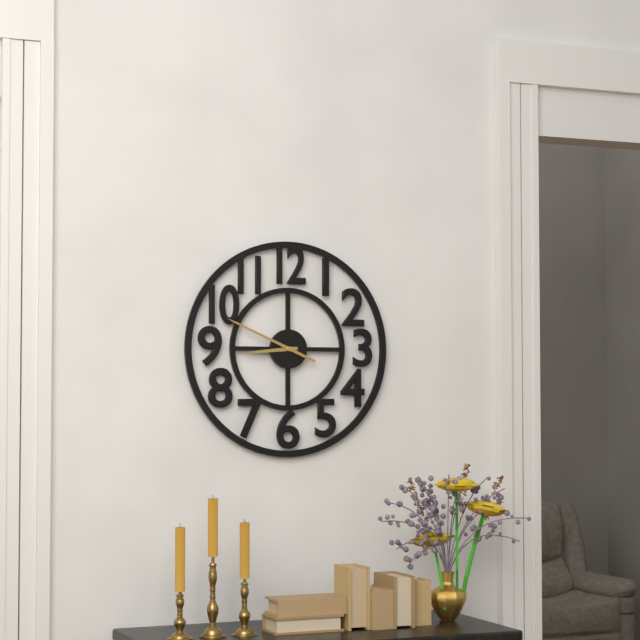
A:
h=8 m=49
